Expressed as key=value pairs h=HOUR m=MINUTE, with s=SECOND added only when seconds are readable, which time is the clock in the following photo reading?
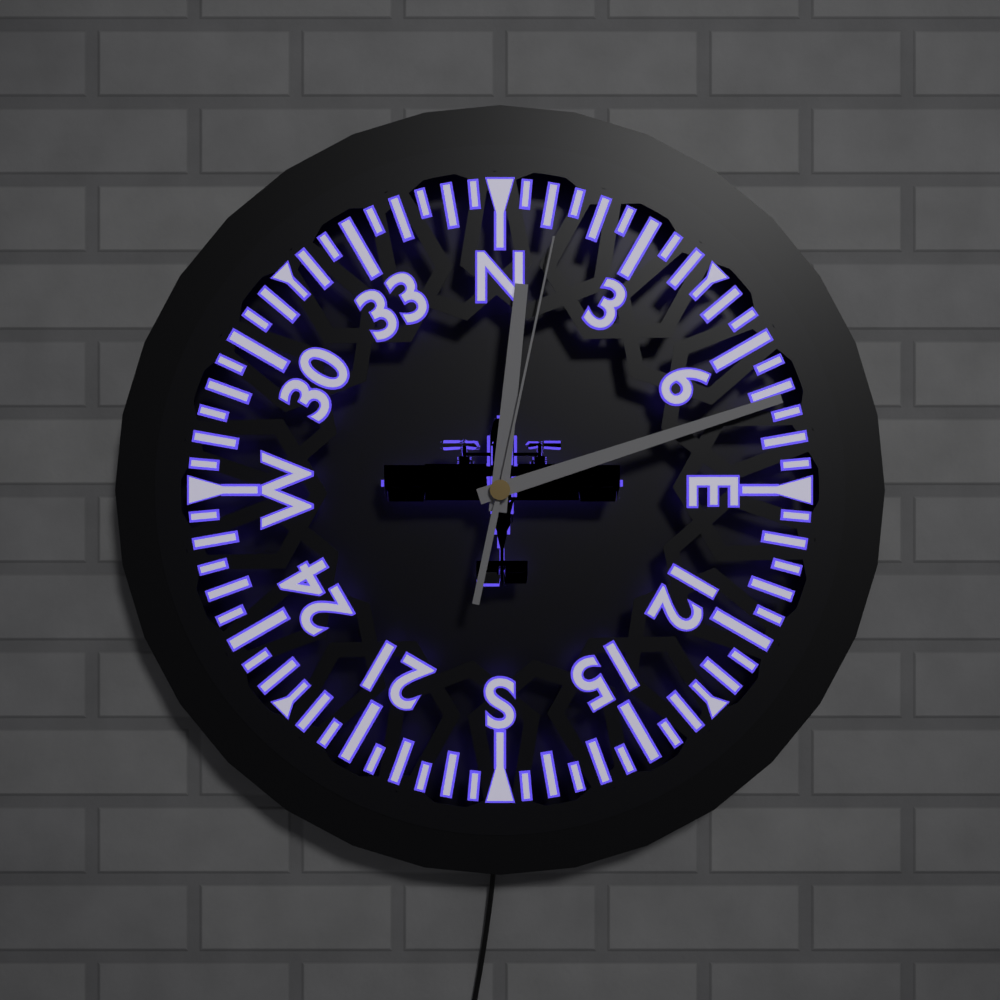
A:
h=12 m=12 s=2
